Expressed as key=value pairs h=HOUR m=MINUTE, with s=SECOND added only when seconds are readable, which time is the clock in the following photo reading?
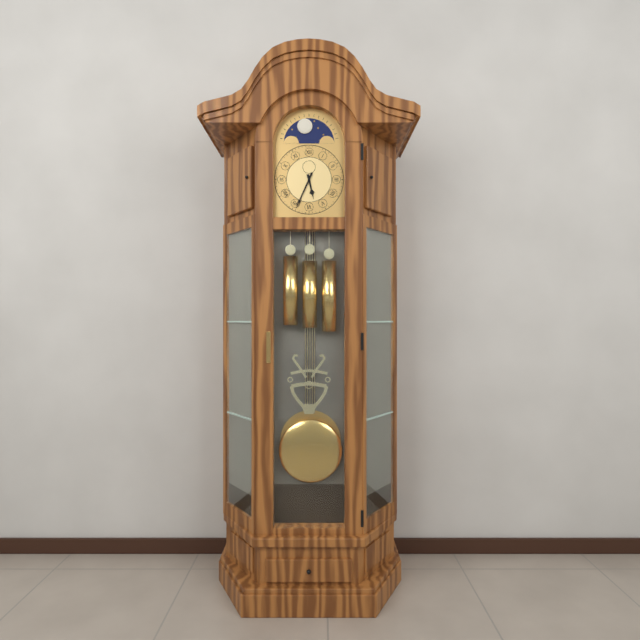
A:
h=5 m=34
